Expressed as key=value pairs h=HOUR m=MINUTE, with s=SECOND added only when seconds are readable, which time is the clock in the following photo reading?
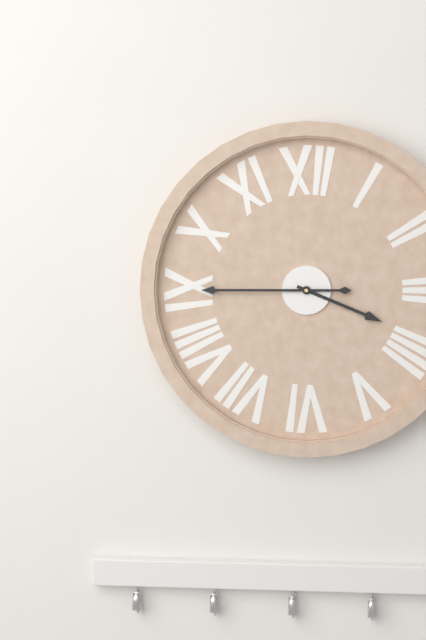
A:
h=3 m=45
